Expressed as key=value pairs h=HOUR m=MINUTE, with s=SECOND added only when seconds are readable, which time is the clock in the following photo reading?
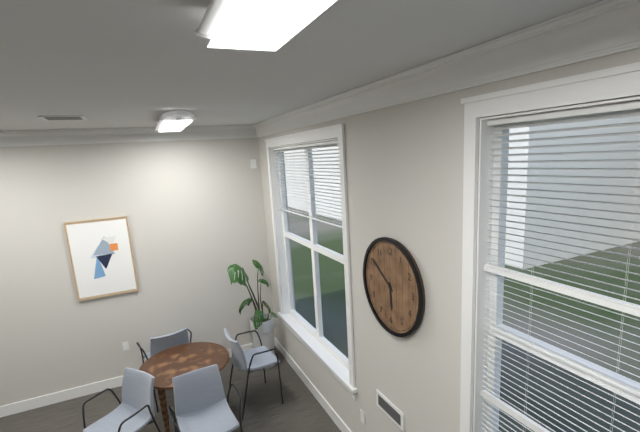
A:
h=5 m=51
